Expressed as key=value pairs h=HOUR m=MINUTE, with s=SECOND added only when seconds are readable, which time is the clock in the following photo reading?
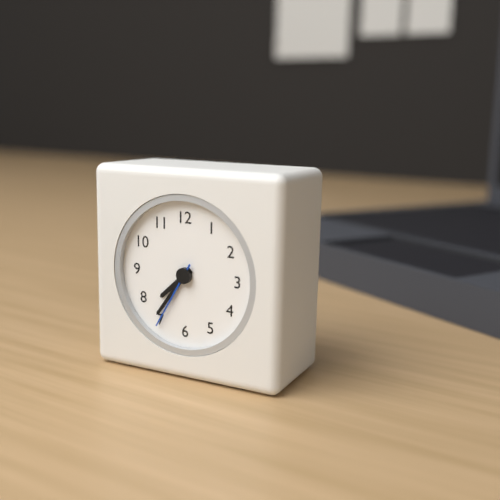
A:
h=7 m=36 s=35
